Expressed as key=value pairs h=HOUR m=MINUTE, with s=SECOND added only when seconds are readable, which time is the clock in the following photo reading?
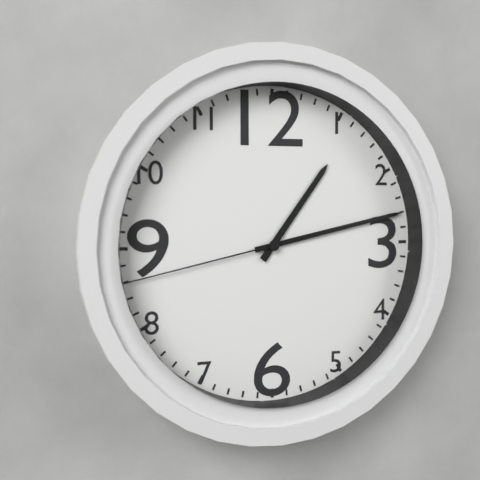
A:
h=1 m=13 s=43
